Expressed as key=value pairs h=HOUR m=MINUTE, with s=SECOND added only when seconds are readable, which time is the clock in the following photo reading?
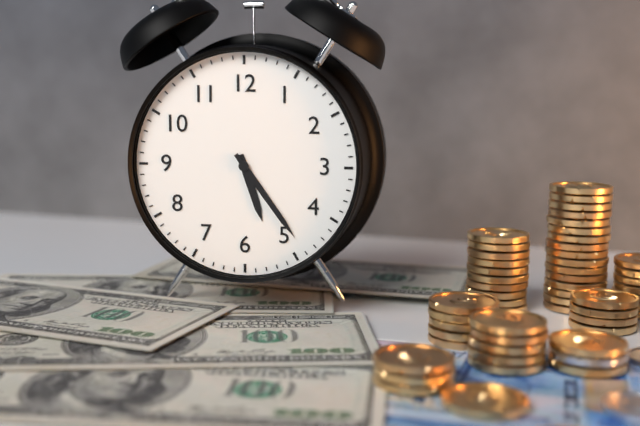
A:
h=5 m=24
